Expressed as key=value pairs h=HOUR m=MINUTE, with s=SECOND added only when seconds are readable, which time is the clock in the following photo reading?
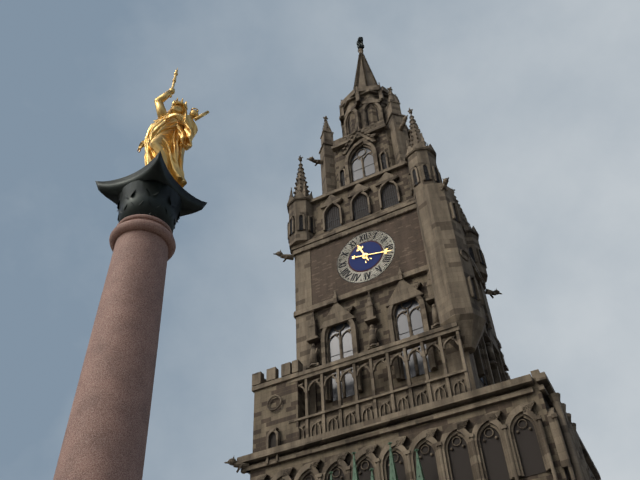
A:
h=11 m=17
